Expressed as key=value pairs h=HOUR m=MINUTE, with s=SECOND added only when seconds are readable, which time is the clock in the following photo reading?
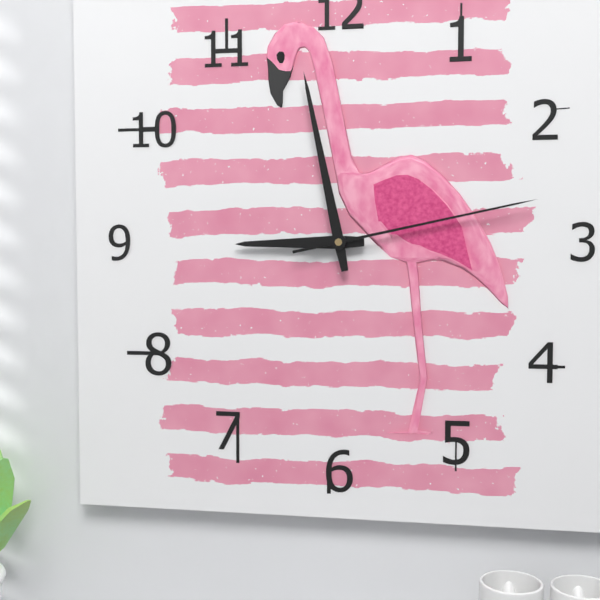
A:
h=8 m=58 s=13
